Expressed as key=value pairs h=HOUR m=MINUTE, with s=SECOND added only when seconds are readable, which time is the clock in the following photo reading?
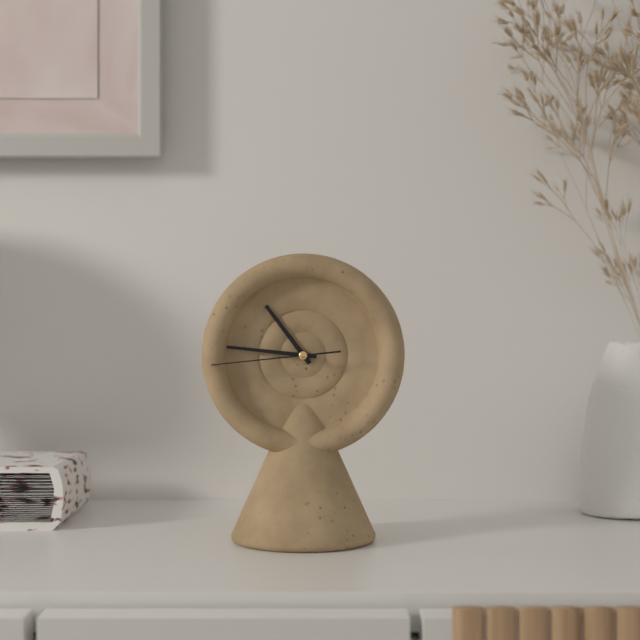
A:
h=10 m=46 s=44
